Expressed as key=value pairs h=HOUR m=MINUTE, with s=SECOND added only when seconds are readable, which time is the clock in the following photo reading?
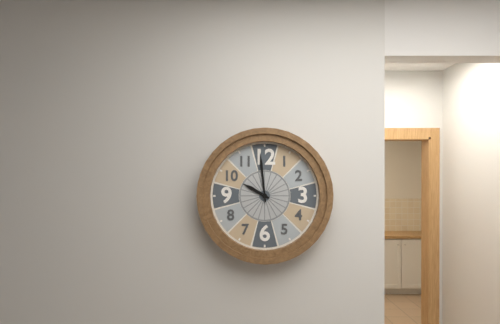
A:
h=9 m=59
